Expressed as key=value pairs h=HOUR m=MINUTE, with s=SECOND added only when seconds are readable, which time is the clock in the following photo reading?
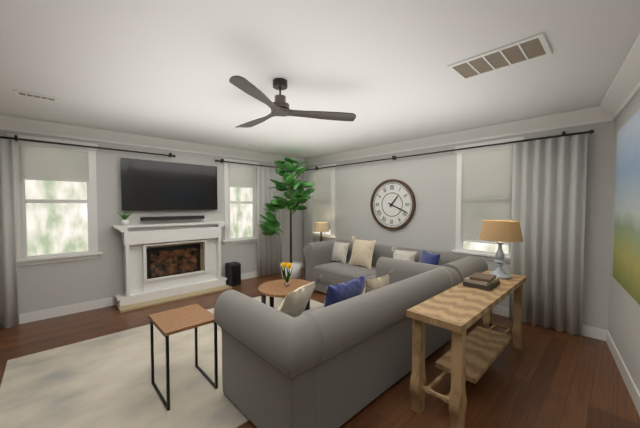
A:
h=1 m=19
